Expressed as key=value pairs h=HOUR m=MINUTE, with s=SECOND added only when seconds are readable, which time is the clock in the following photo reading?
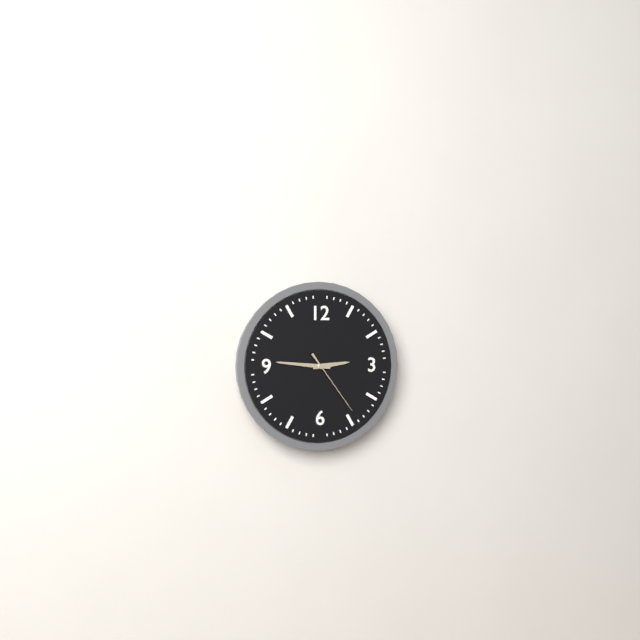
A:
h=2 m=46 s=24
